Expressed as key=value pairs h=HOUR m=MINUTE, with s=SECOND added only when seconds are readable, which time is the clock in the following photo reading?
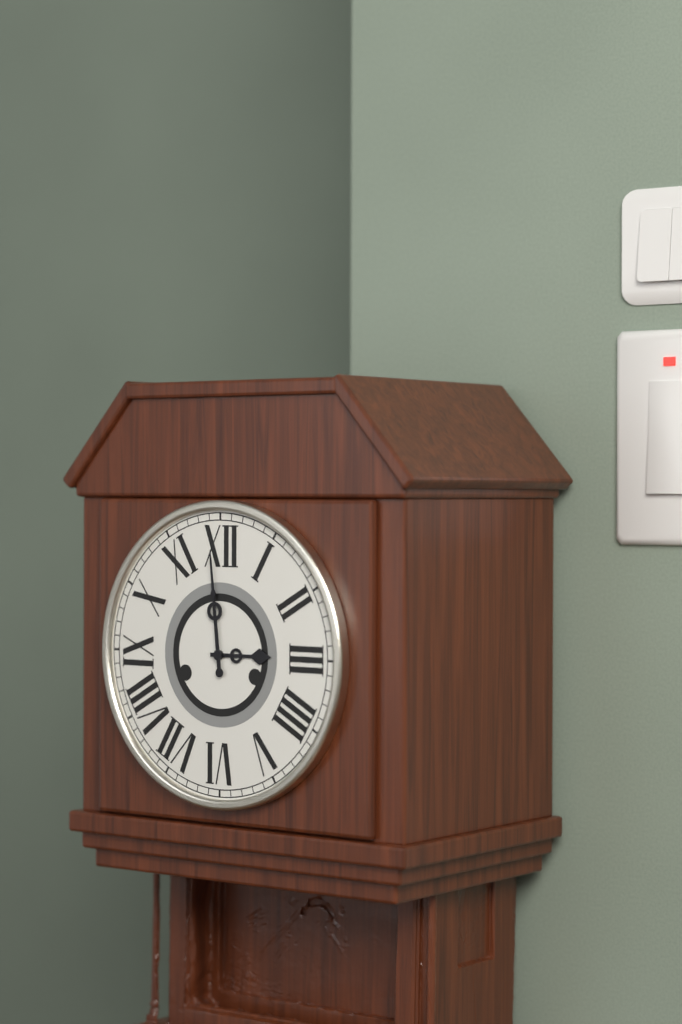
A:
h=2 m=59
